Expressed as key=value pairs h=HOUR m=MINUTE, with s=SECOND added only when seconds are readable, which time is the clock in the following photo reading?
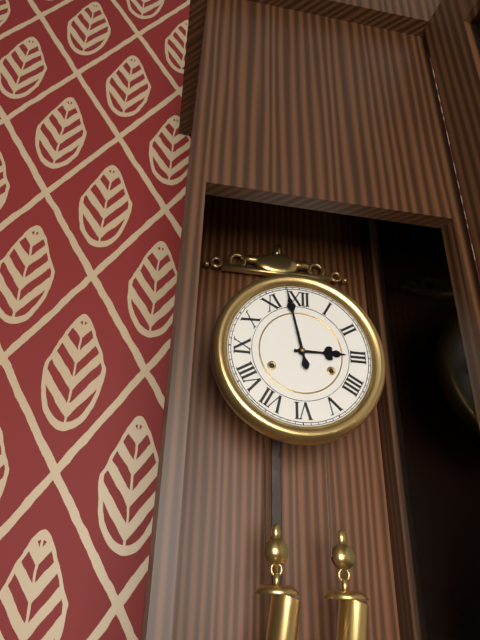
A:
h=2 m=58
